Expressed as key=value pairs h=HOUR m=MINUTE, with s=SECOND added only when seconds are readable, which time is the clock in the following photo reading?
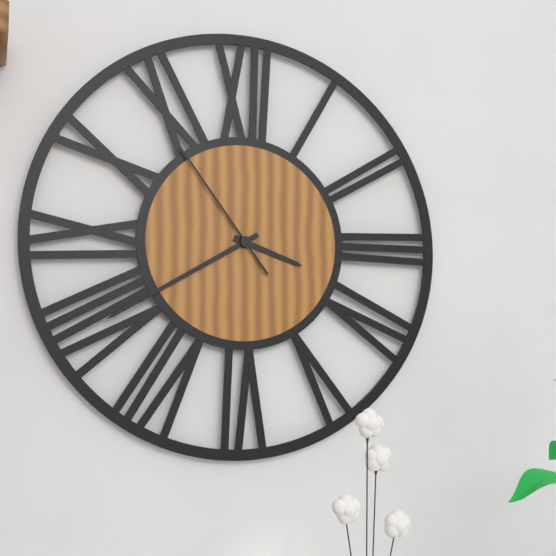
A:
h=3 m=40 s=54
